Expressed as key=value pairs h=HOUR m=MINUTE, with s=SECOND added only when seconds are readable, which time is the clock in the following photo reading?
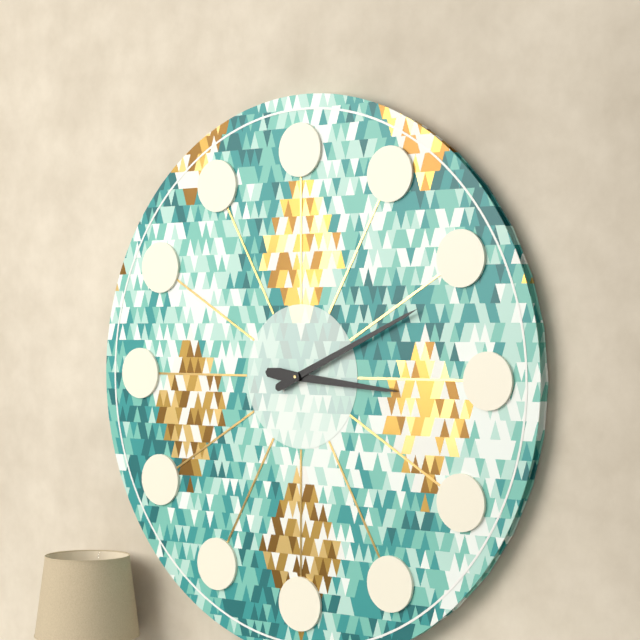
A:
h=3 m=11
